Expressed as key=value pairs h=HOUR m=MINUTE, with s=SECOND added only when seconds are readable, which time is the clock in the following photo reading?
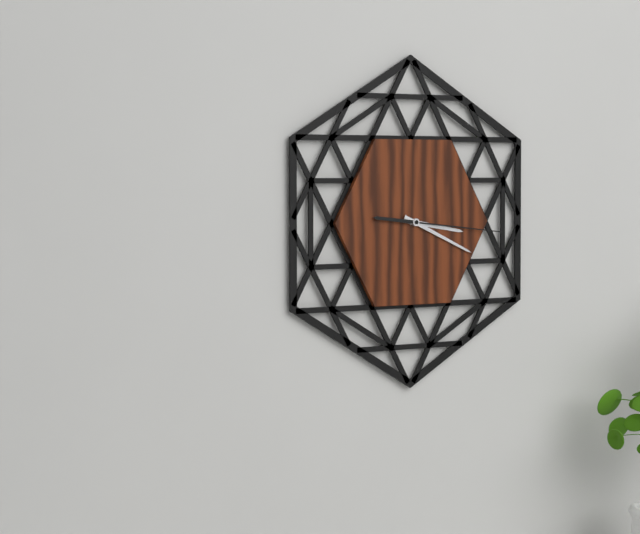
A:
h=3 m=19 s=16
